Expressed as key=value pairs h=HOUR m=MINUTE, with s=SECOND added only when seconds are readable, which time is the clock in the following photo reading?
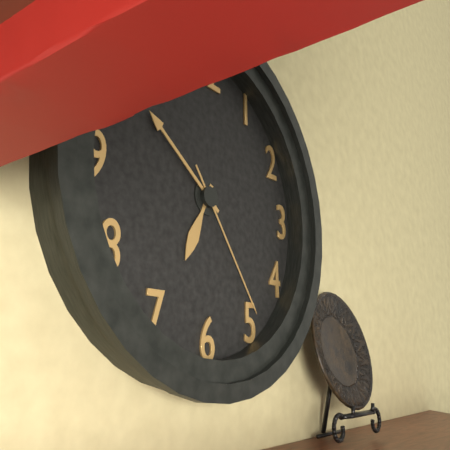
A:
h=6 m=51 s=24
